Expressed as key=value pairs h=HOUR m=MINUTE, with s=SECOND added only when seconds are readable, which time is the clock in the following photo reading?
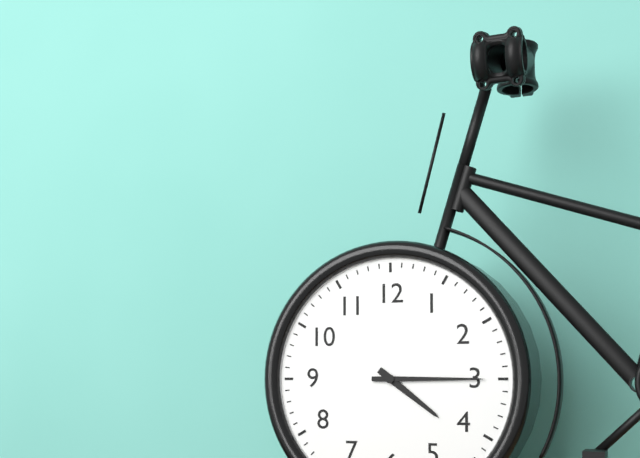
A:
h=4 m=15
